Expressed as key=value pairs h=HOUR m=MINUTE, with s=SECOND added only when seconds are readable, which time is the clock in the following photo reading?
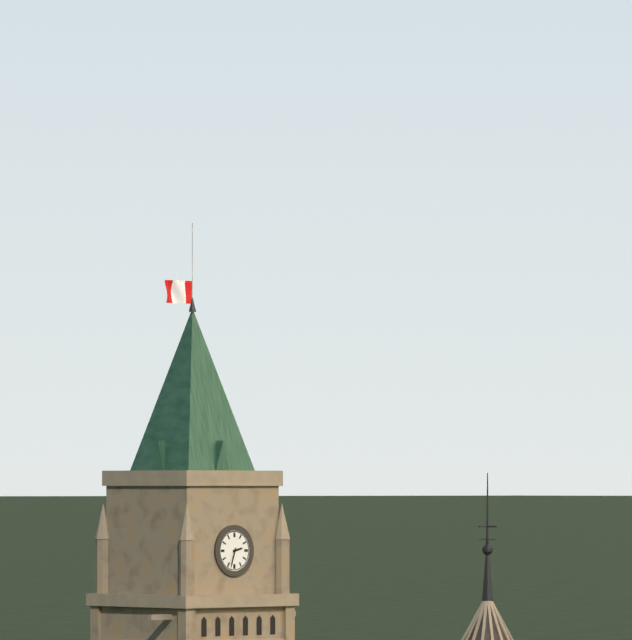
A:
h=2 m=33
